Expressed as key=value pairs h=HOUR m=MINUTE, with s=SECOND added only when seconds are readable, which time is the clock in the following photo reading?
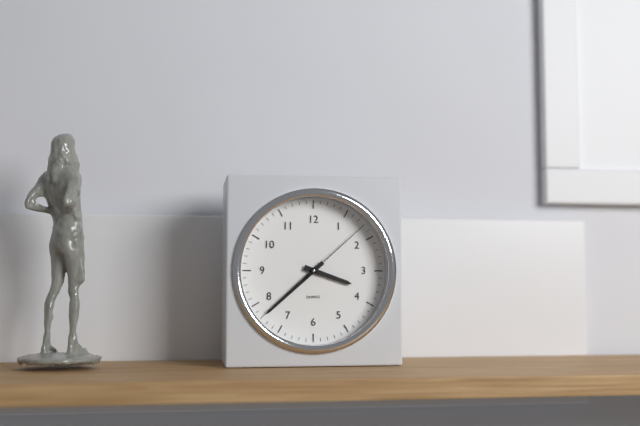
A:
h=3 m=38 s=8
